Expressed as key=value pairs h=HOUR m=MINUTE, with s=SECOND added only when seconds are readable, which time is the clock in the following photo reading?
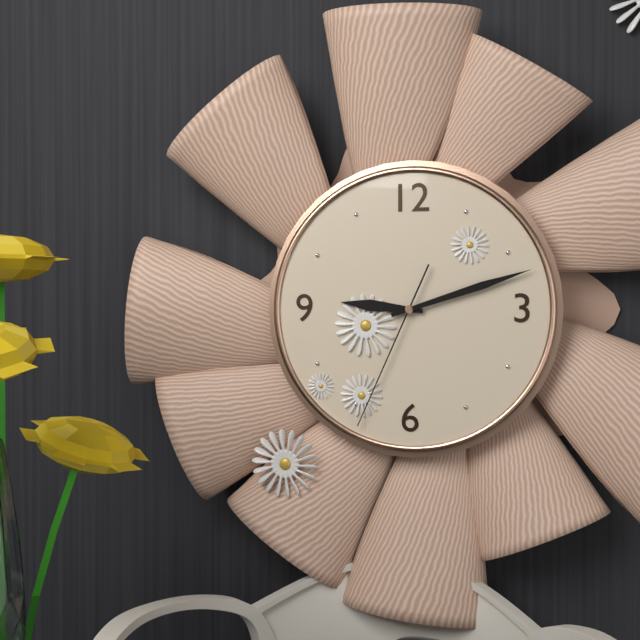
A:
h=9 m=12 s=34
